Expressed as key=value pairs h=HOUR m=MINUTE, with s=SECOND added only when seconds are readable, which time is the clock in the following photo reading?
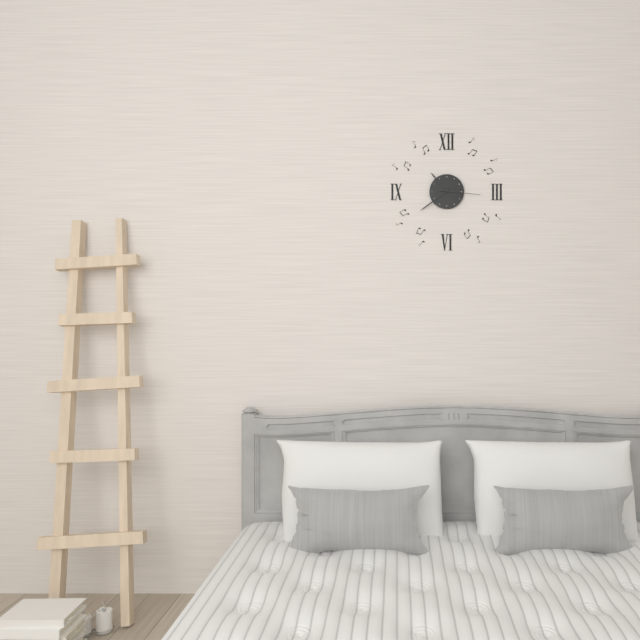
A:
h=10 m=39
